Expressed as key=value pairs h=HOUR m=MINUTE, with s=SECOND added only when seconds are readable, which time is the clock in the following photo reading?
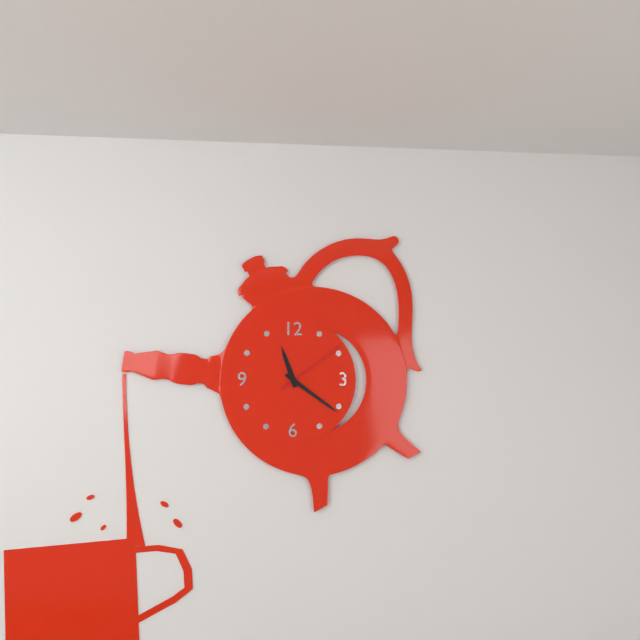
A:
h=11 m=21 s=9
